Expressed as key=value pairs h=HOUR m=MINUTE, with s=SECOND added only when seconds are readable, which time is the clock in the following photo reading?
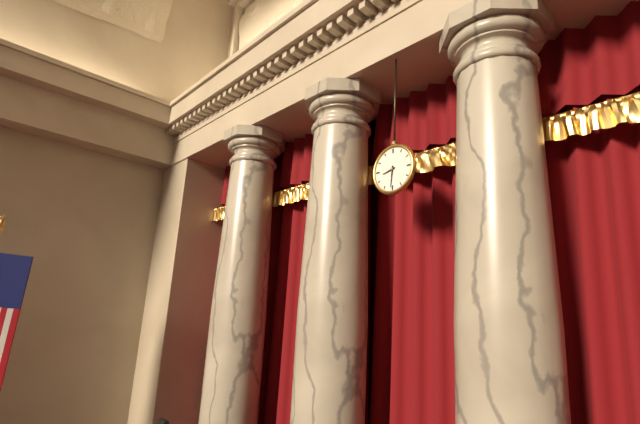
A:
h=8 m=31
